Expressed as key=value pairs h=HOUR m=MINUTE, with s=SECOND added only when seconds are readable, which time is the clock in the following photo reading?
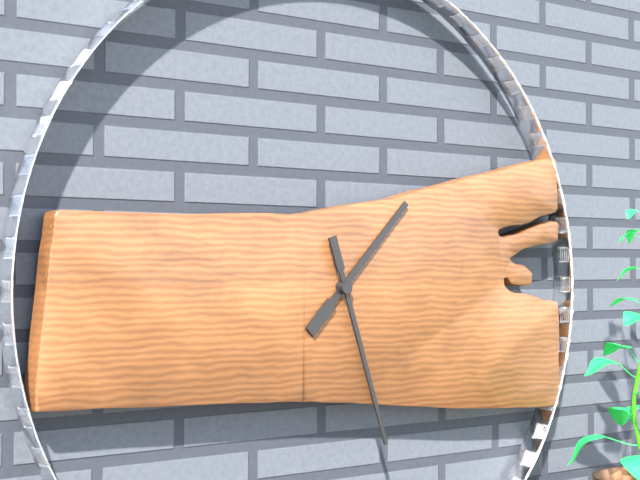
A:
h=1 m=27
